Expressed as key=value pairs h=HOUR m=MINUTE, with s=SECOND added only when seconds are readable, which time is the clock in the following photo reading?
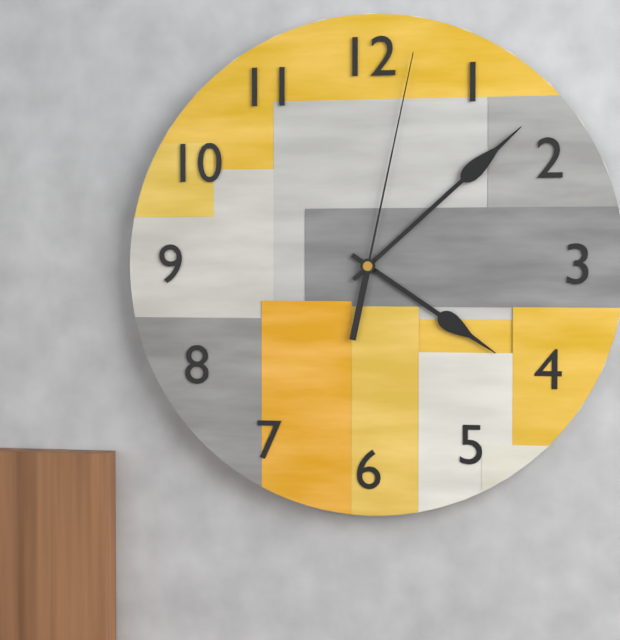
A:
h=4 m=8 s=2
